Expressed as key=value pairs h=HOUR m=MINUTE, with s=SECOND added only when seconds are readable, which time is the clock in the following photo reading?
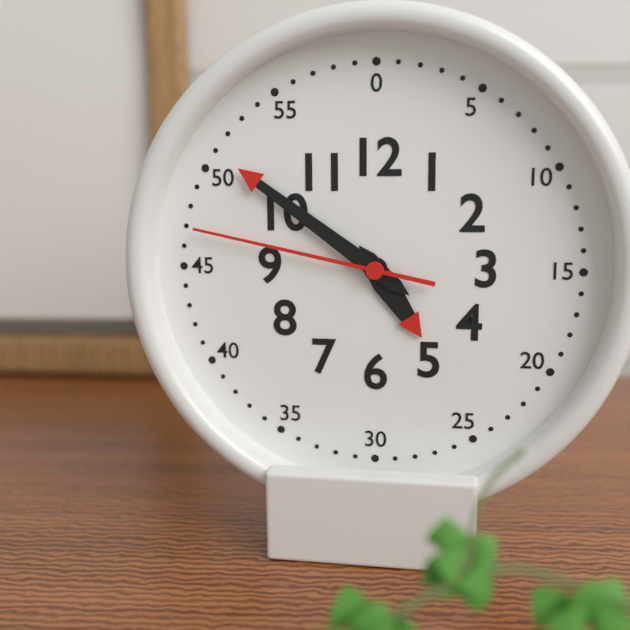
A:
h=4 m=51 s=47
